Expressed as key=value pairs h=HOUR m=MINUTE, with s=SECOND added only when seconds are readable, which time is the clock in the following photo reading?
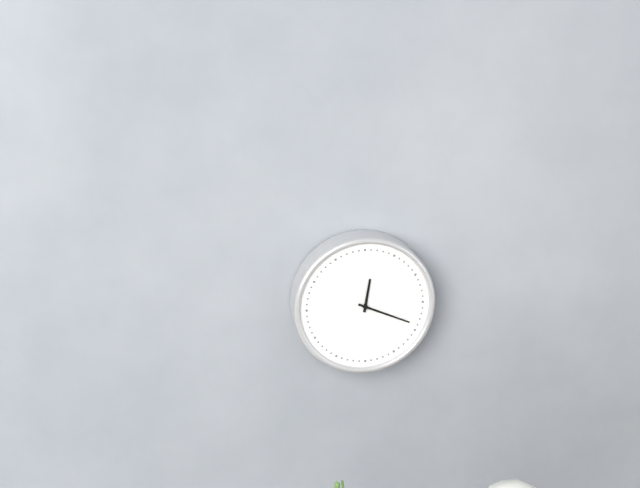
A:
h=12 m=19
